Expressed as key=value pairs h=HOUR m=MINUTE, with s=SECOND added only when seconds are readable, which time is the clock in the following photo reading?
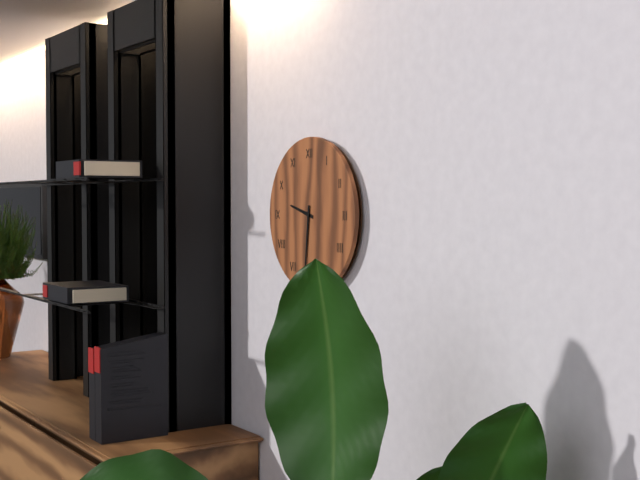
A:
h=9 m=31
